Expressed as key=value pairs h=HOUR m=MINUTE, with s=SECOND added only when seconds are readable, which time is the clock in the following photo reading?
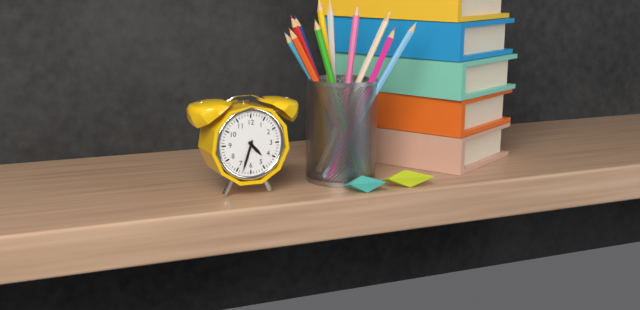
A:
h=4 m=33
